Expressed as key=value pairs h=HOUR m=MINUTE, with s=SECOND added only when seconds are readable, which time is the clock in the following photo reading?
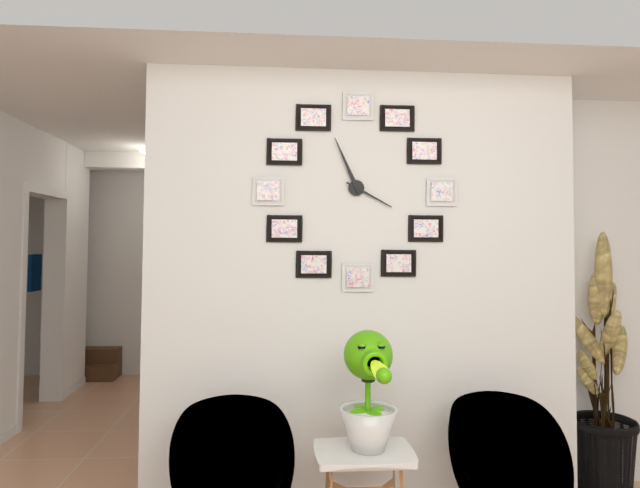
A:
h=3 m=56
